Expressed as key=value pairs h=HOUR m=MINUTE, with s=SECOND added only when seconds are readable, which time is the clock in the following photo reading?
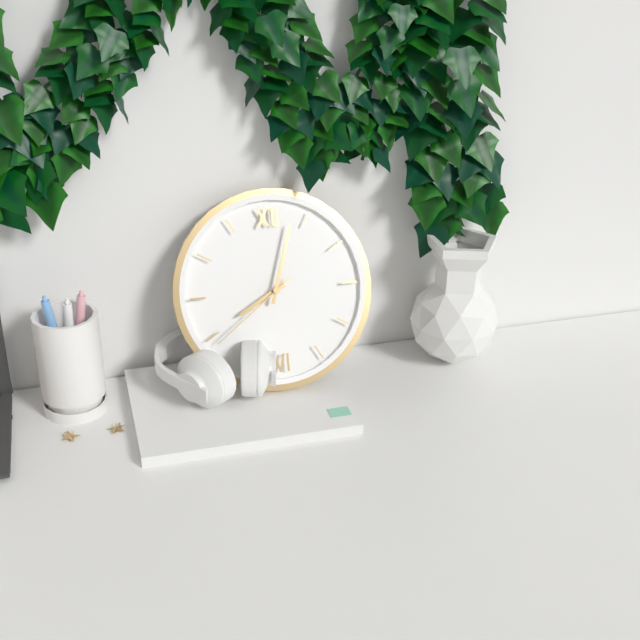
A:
h=8 m=3 s=39
